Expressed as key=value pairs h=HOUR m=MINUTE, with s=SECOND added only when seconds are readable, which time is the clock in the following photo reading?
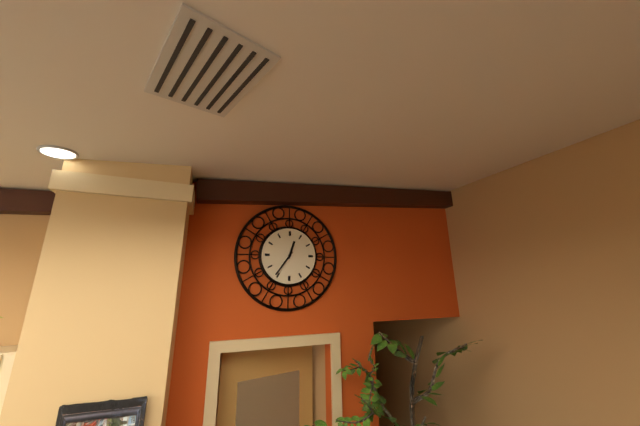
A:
h=12 m=36
